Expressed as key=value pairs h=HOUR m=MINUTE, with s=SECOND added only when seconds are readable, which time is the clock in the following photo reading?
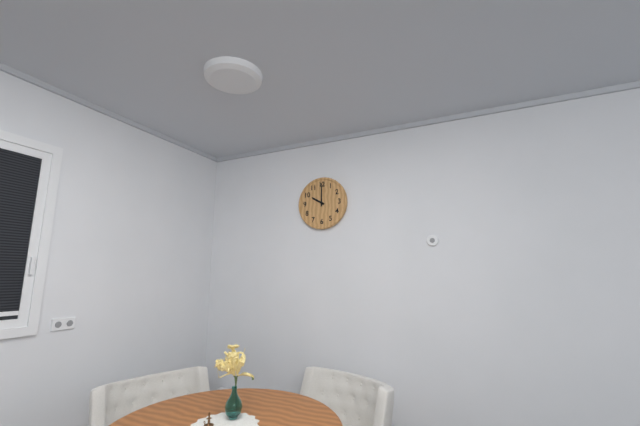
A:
h=10 m=0
